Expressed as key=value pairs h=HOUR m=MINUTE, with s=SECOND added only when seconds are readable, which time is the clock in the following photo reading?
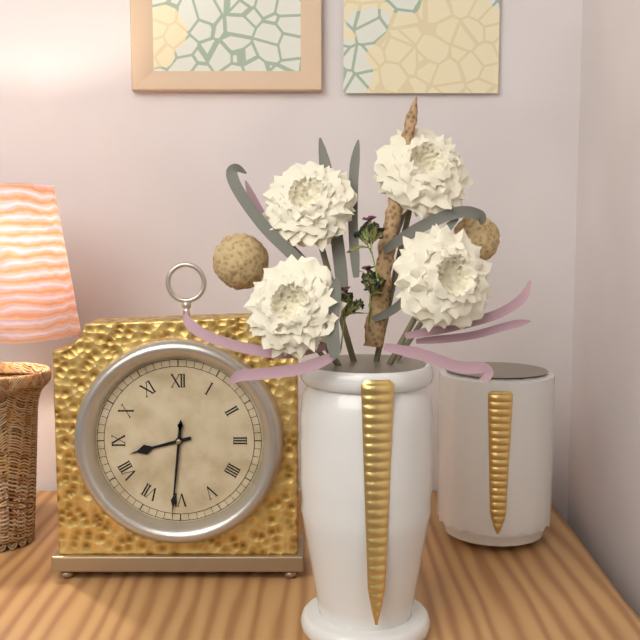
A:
h=8 m=31
